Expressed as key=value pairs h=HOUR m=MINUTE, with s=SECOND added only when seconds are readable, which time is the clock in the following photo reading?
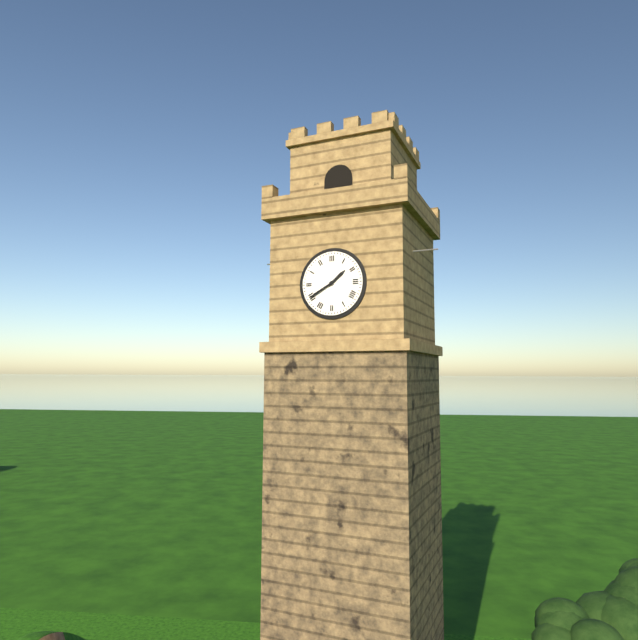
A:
h=1 m=40
